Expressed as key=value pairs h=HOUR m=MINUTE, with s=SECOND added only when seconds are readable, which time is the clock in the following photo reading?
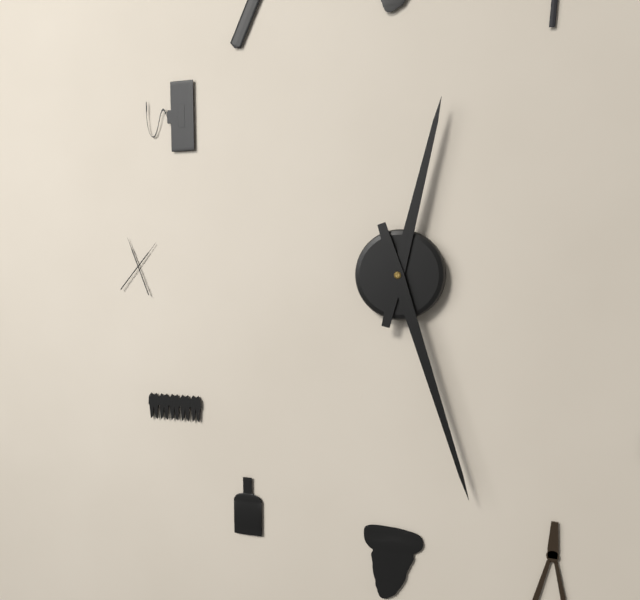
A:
h=12 m=27
